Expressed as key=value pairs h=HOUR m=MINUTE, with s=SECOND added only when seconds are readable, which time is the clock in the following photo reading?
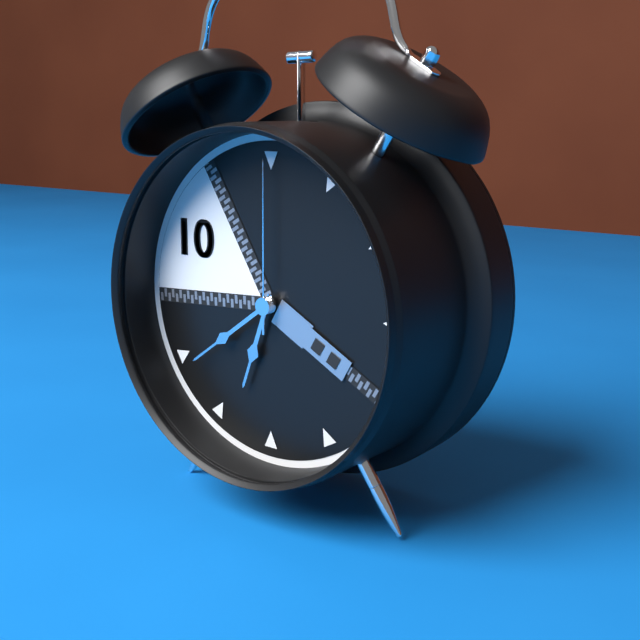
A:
h=6 m=39 s=0
